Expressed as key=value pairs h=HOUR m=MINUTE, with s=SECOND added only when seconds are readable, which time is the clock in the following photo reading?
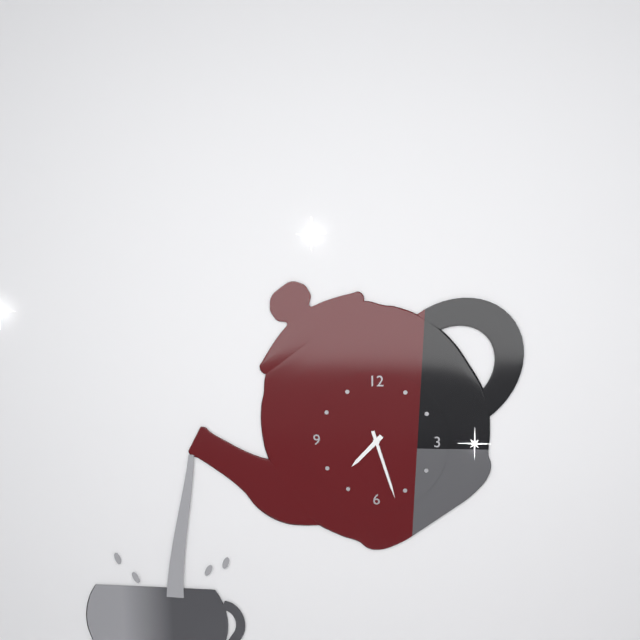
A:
h=7 m=27
